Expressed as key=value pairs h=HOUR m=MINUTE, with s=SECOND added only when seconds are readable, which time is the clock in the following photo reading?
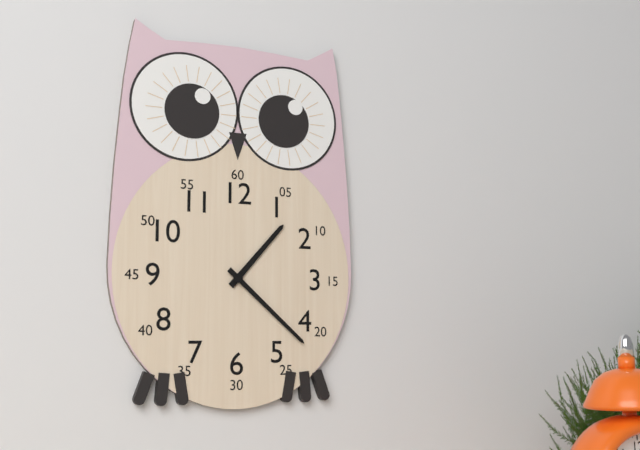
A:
h=1 m=22
